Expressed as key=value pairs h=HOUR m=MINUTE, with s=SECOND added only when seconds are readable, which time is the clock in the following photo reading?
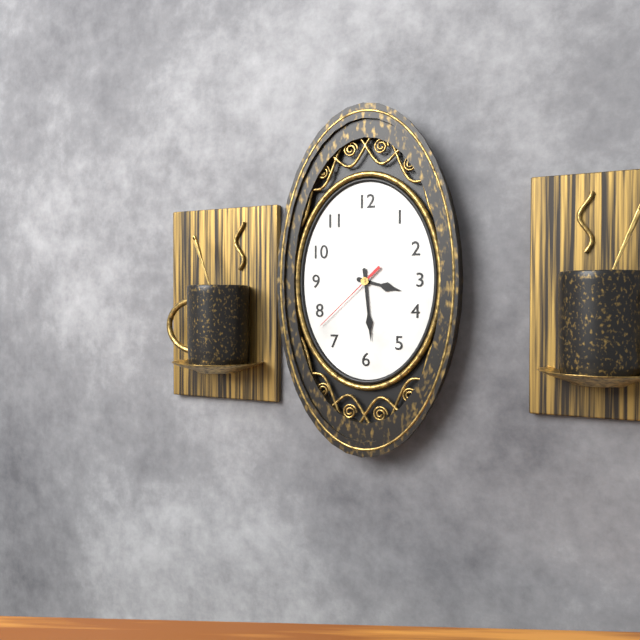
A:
h=3 m=29 s=38
